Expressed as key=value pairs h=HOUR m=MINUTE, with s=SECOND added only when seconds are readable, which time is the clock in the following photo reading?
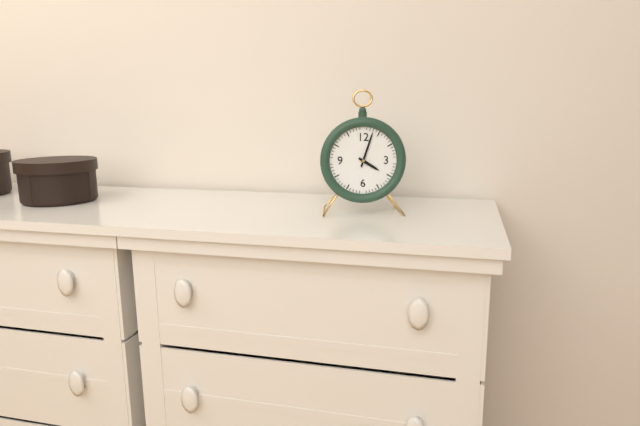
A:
h=4 m=3
